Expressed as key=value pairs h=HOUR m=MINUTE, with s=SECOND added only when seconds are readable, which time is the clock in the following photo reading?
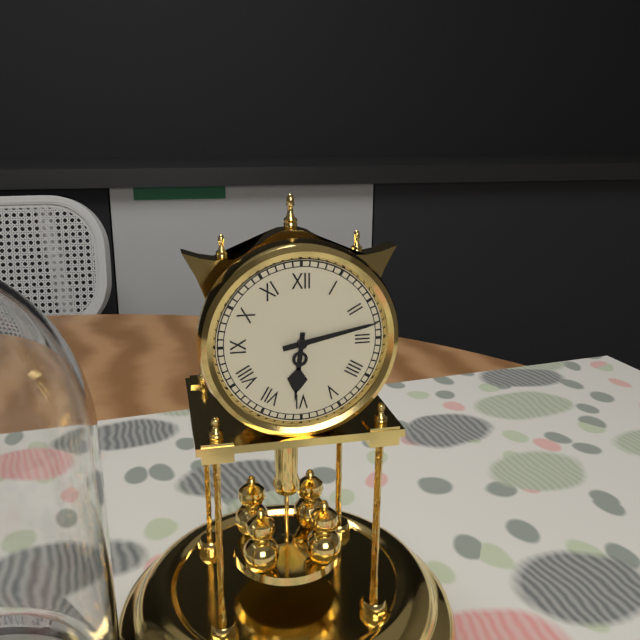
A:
h=6 m=13
